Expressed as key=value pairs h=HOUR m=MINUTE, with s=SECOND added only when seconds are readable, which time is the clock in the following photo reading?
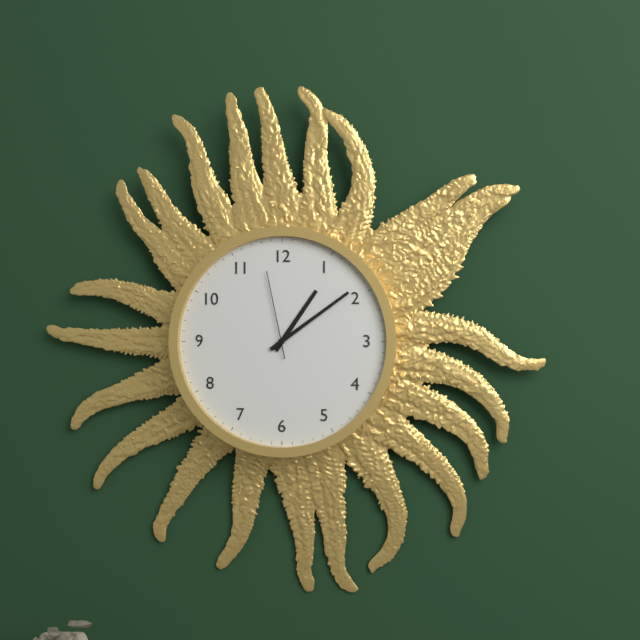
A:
h=1 m=9 s=58
